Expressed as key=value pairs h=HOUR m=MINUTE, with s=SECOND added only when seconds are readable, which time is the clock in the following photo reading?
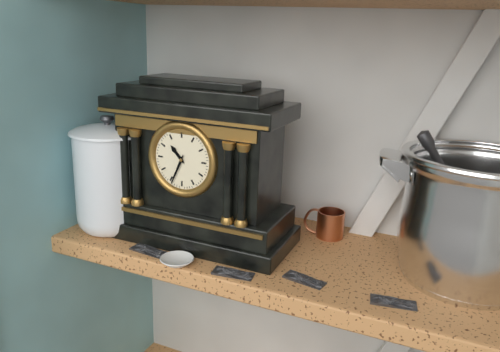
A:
h=10 m=34
